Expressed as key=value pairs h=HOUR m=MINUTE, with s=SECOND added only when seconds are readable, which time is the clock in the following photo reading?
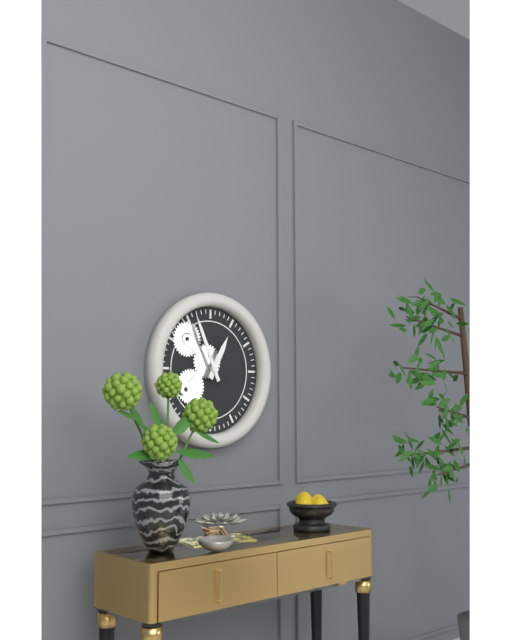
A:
h=12 m=56
